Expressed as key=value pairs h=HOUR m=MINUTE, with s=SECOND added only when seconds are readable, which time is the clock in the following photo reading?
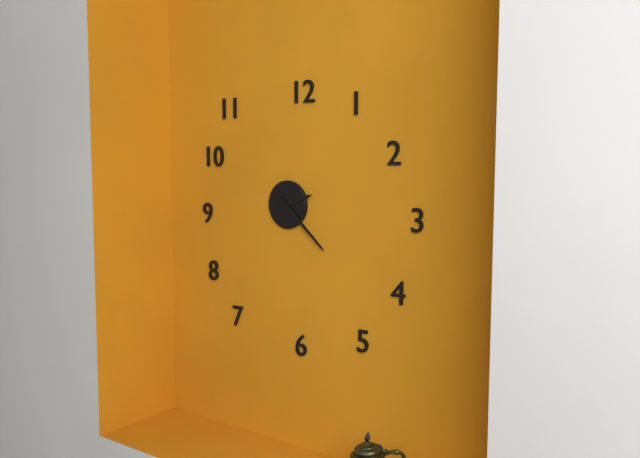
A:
h=2 m=22
